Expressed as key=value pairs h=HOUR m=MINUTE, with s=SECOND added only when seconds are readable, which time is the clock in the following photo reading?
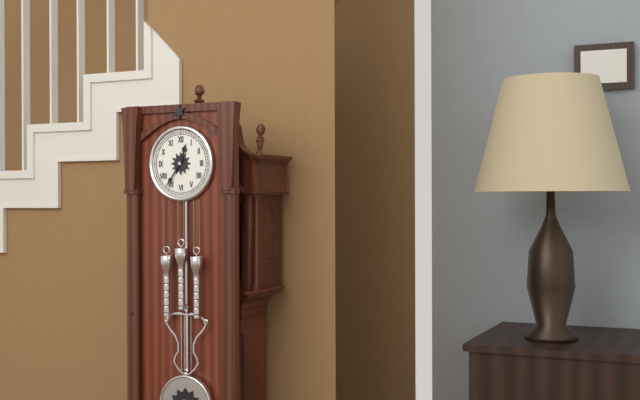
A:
h=12 m=36
